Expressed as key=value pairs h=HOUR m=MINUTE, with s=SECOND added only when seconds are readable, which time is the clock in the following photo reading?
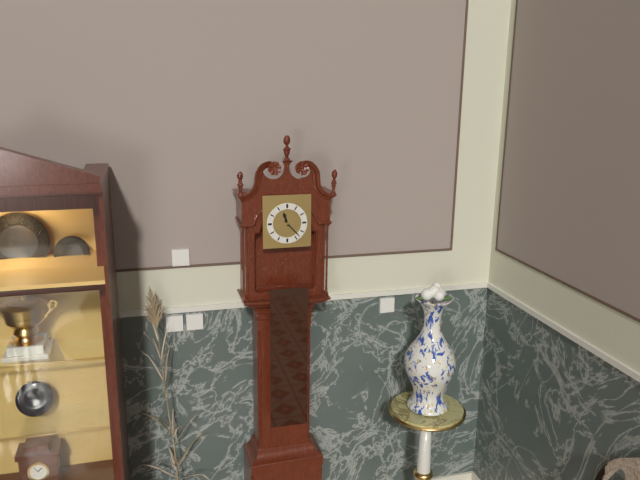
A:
h=11 m=23
